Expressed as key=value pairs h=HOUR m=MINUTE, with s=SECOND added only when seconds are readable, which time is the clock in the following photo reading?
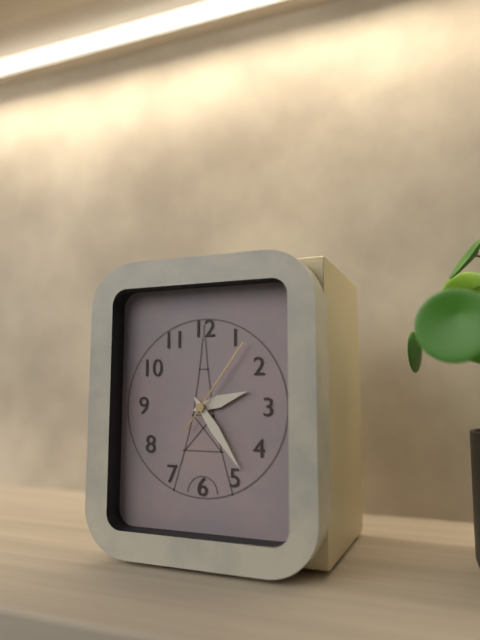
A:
h=2 m=24 s=6
